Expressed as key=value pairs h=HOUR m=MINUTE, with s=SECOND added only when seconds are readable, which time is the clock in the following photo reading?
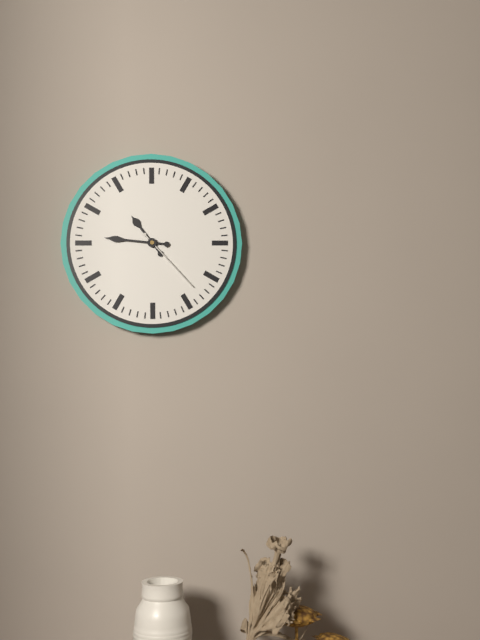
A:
h=10 m=46 s=23
